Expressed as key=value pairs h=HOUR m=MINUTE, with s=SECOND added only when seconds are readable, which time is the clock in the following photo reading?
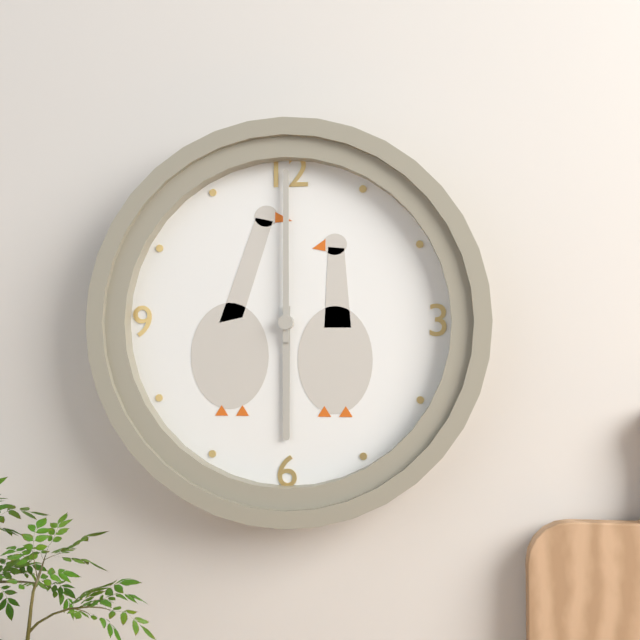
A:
h=6 m=0
